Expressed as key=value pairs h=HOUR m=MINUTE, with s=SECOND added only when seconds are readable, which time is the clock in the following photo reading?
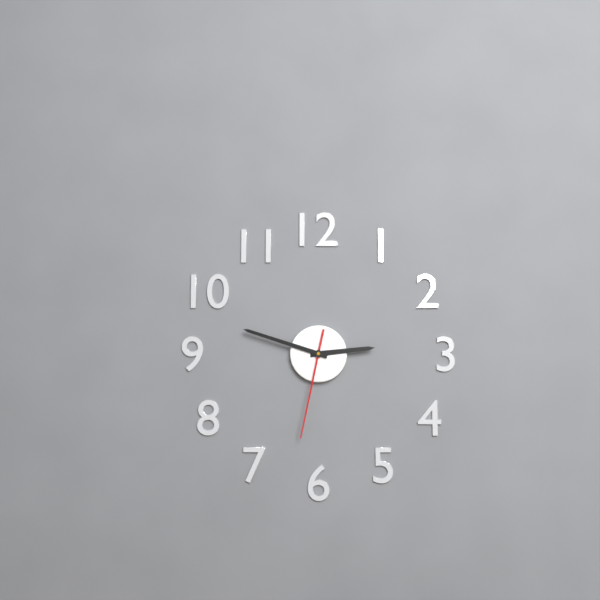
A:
h=2 m=48 s=32
